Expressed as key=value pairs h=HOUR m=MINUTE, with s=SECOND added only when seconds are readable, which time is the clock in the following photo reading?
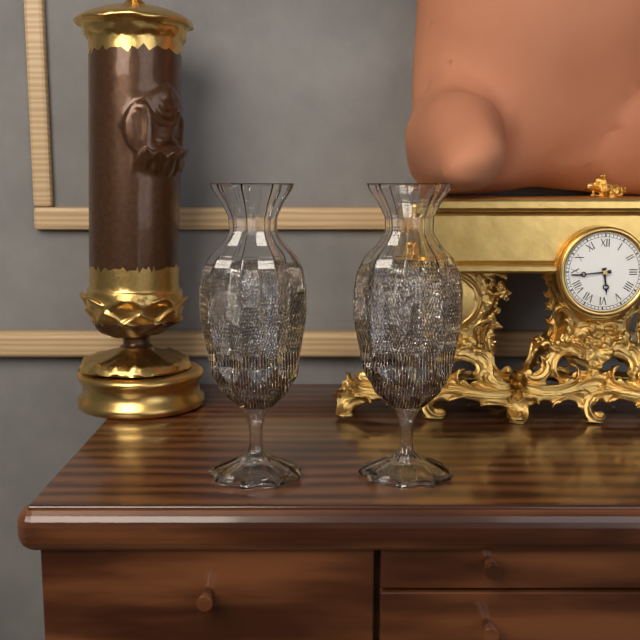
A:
h=5 m=44
